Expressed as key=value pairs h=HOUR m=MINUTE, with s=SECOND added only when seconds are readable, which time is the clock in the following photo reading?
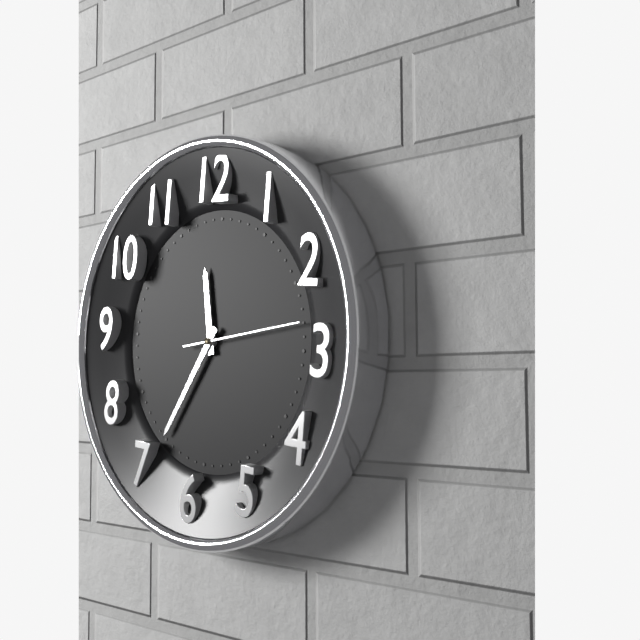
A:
h=11 m=35 s=13
